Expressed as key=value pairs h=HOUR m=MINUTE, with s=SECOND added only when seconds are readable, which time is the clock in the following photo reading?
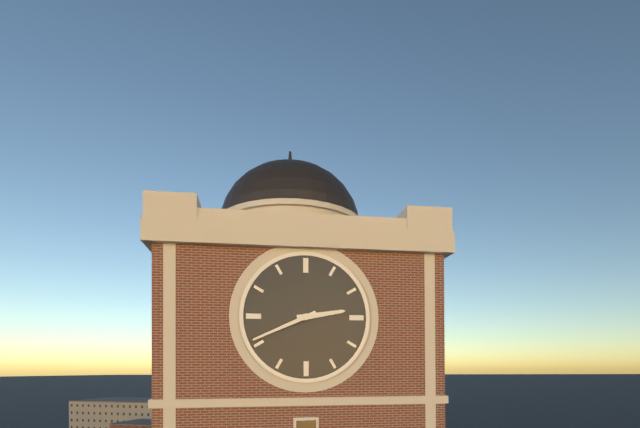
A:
h=2 m=41
